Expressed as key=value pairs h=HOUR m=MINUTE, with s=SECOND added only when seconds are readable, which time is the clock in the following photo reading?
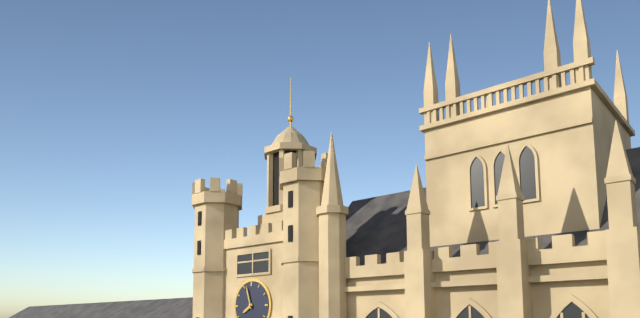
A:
h=7 m=57
